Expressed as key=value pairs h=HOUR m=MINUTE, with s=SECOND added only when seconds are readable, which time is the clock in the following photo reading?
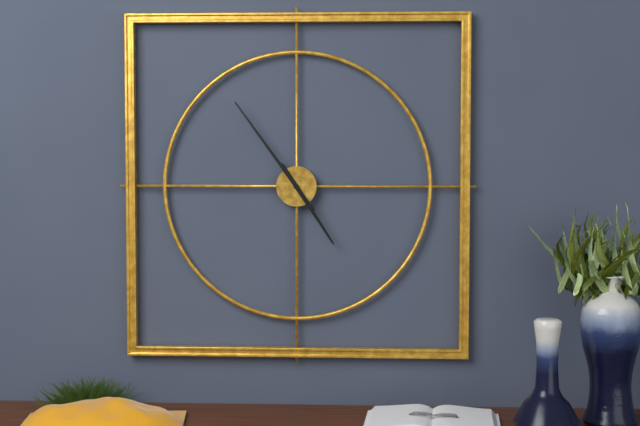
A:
h=4 m=54
